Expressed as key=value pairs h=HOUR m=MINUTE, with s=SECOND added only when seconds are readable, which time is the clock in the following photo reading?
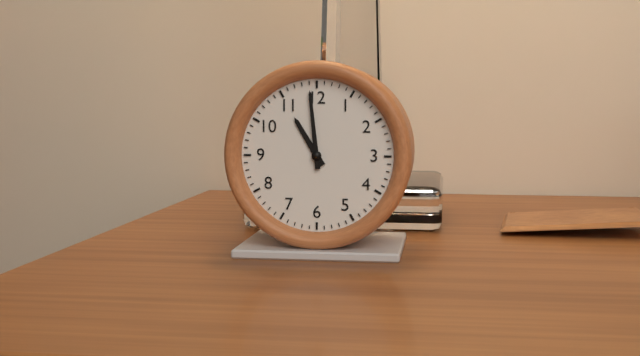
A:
h=10 m=59
